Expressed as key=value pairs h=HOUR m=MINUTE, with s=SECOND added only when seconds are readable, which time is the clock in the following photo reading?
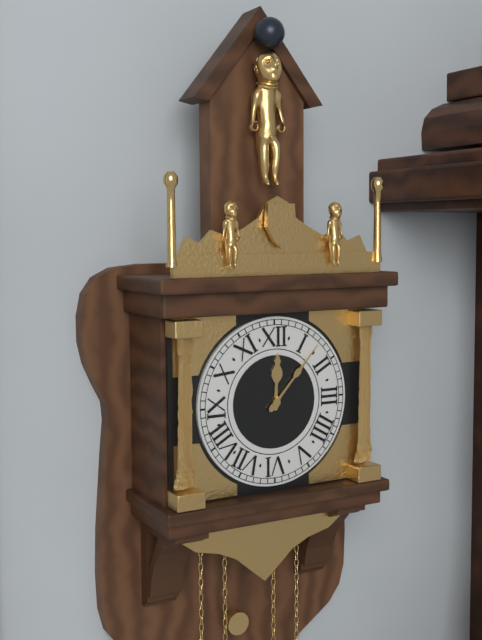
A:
h=12 m=7
